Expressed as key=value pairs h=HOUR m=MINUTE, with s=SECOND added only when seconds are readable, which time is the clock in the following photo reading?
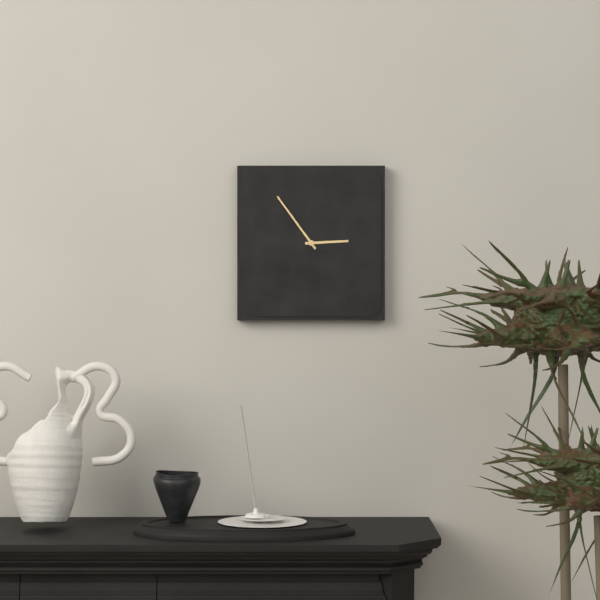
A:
h=2 m=54
